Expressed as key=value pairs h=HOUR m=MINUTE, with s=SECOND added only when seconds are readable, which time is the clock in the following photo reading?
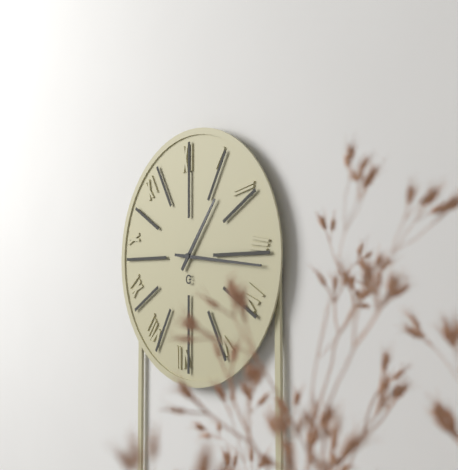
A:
h=1 m=16
